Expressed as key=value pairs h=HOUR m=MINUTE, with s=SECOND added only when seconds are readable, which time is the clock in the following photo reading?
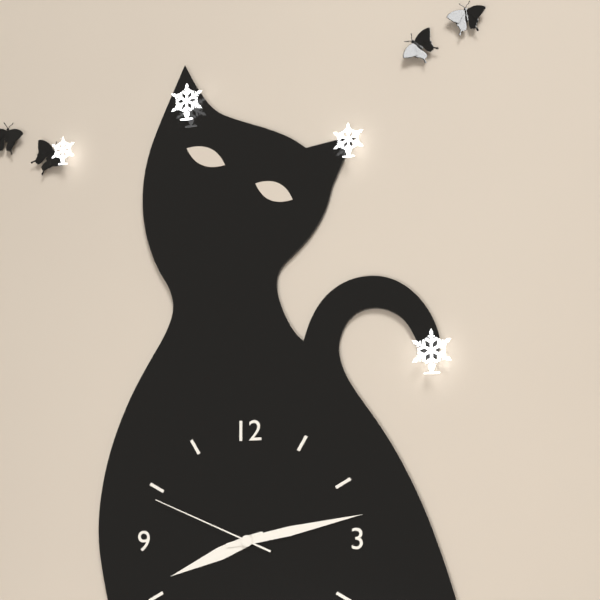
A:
h=8 m=13 s=49
